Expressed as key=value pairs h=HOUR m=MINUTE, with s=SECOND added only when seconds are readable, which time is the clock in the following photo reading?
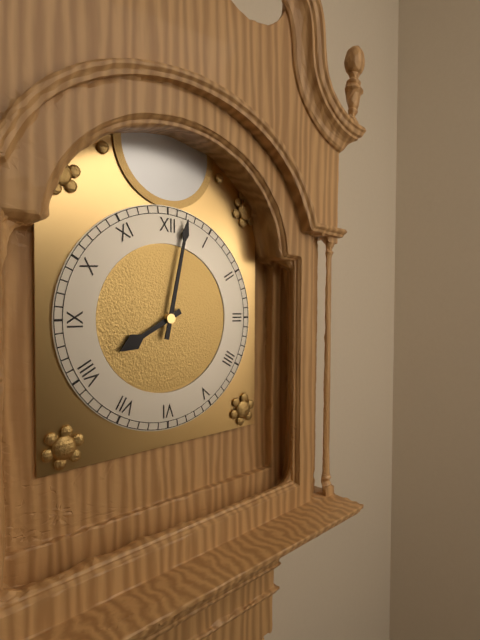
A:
h=8 m=2
